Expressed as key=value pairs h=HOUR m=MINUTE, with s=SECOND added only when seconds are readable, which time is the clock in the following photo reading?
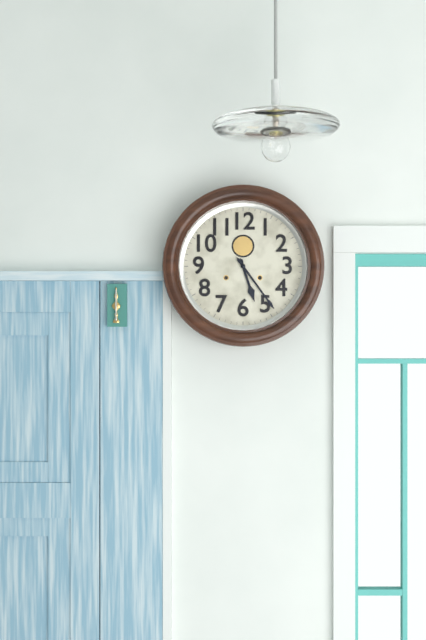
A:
h=5 m=24
